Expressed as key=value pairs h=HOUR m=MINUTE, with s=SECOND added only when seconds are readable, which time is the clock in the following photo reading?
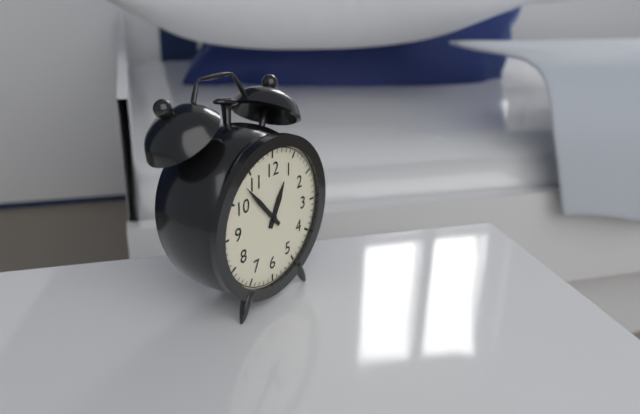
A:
h=12 m=53
